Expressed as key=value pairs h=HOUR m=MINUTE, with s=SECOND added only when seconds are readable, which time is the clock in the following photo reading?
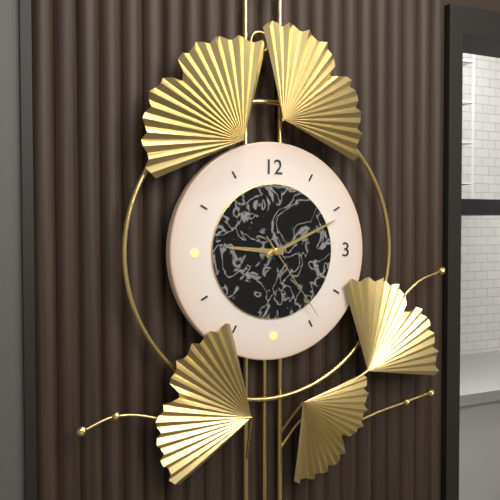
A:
h=9 m=11 s=24
